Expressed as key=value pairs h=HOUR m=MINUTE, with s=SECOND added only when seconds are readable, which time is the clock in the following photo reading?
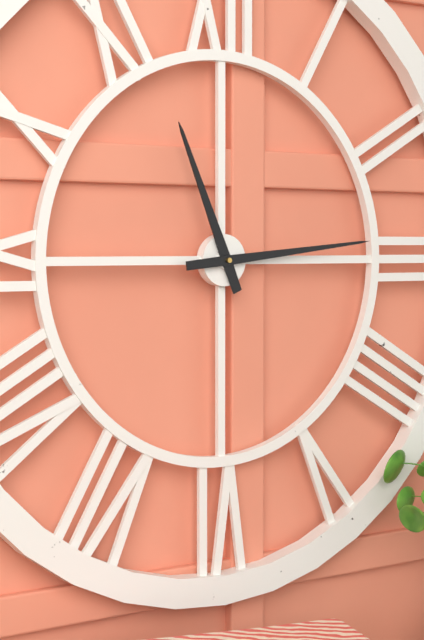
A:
h=11 m=14
